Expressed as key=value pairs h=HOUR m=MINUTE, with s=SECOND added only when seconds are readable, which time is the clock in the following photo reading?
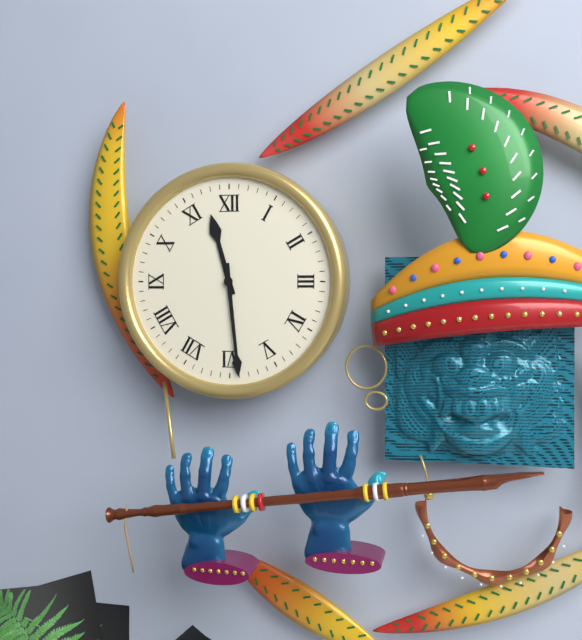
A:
h=11 m=29
